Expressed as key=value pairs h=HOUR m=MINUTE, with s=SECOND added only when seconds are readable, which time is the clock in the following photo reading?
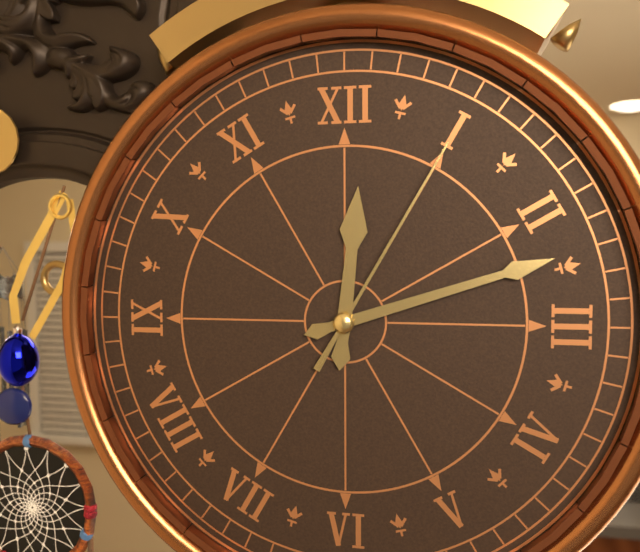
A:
h=12 m=12 s=5
